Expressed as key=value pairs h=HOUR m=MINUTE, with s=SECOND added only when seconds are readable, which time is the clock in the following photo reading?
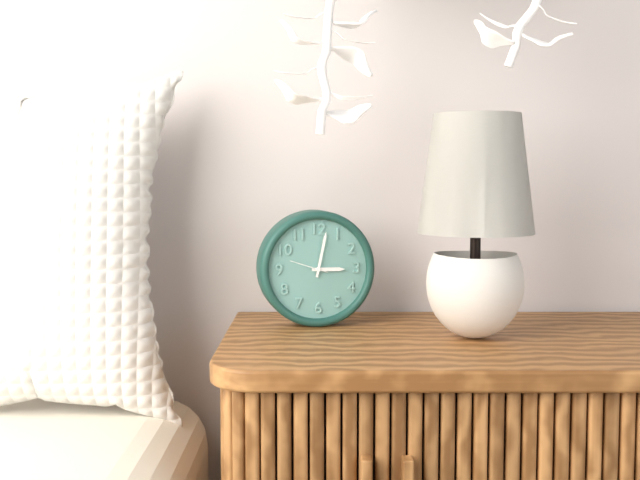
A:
h=3 m=2
